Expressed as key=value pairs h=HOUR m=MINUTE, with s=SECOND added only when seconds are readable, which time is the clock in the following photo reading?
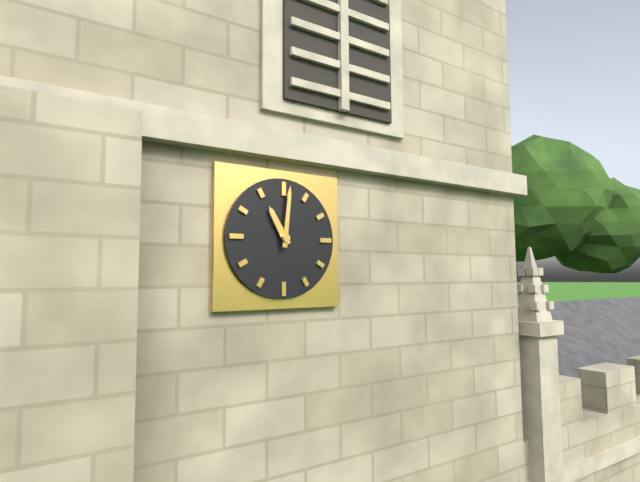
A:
h=11 m=1
